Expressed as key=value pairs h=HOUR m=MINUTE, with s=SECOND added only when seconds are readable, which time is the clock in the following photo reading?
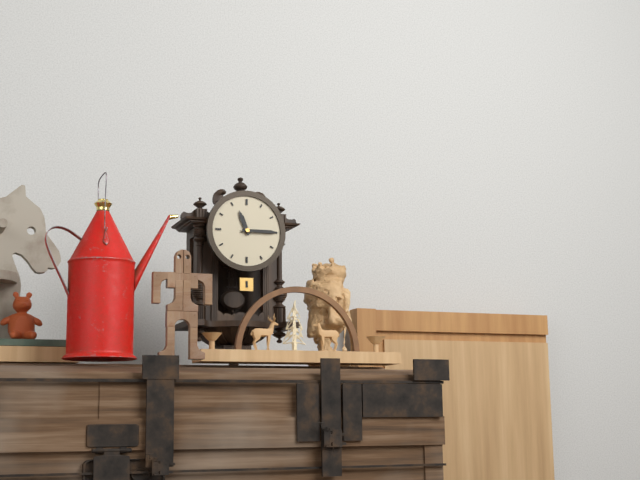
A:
h=11 m=15
